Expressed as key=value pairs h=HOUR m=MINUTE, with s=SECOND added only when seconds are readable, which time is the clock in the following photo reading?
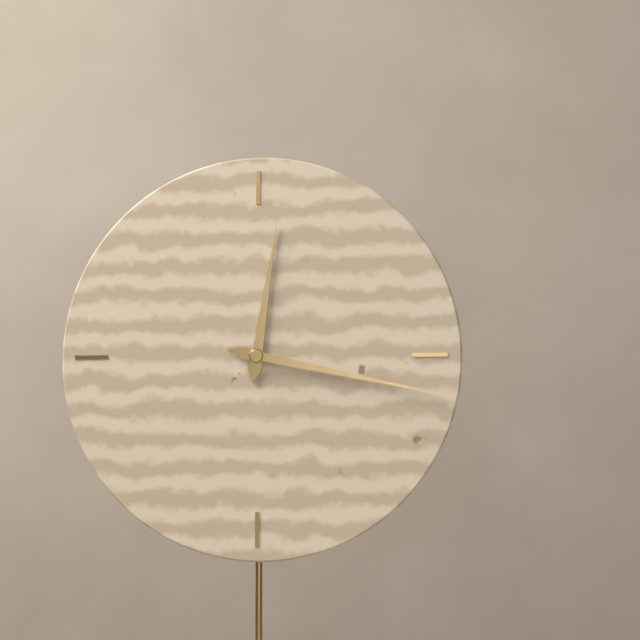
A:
h=12 m=17
